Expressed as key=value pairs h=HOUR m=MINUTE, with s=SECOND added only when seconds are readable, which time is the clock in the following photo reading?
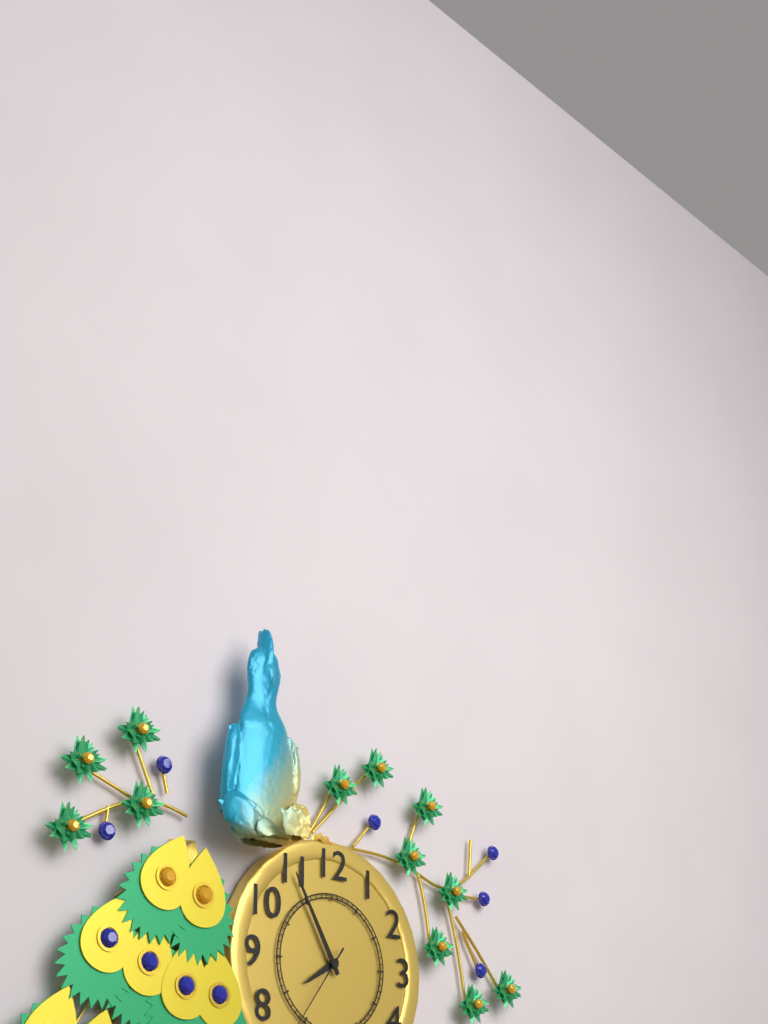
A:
h=7 m=55
